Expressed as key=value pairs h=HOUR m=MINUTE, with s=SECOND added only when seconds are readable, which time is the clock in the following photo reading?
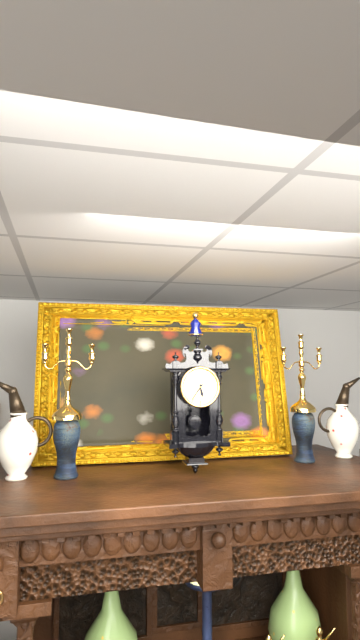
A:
h=5 m=36
